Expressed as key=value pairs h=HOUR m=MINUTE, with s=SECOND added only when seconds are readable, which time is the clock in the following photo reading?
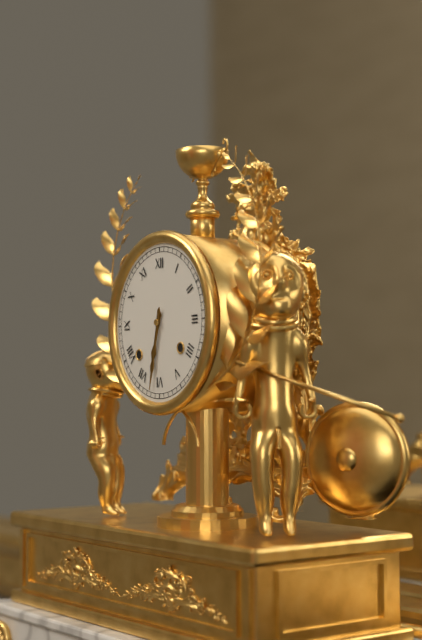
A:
h=6 m=32
